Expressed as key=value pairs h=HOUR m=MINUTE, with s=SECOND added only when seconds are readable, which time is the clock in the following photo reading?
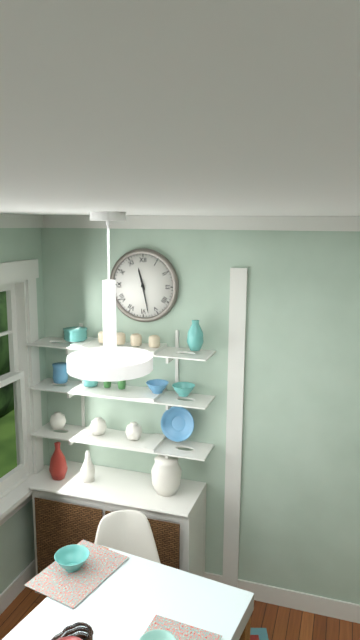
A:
h=11 m=28
